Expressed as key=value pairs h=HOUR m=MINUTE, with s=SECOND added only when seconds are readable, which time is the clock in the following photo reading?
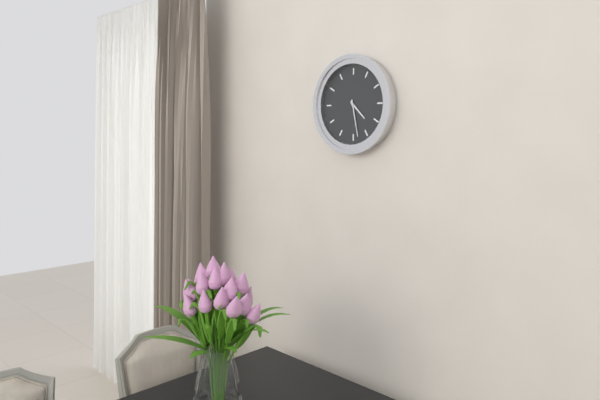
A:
h=4 m=28
